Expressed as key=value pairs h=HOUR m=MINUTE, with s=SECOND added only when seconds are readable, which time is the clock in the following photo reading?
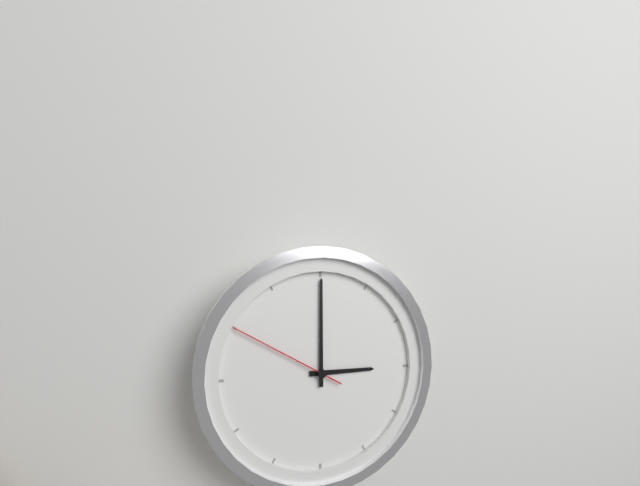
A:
h=3 m=0 s=50
